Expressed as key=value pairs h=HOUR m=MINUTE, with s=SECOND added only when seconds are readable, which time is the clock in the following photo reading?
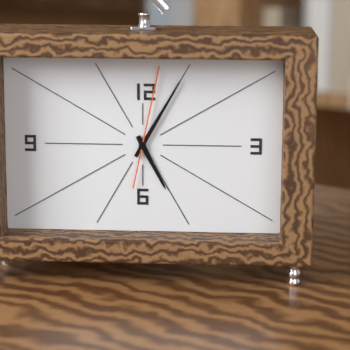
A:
h=5 m=5 s=2
